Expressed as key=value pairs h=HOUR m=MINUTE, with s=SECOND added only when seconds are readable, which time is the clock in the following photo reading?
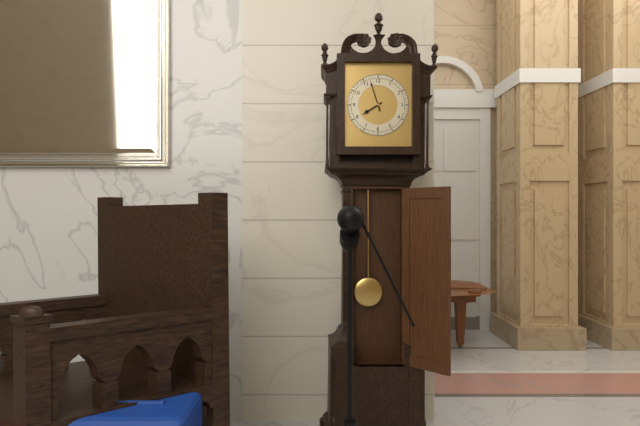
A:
h=7 m=57
